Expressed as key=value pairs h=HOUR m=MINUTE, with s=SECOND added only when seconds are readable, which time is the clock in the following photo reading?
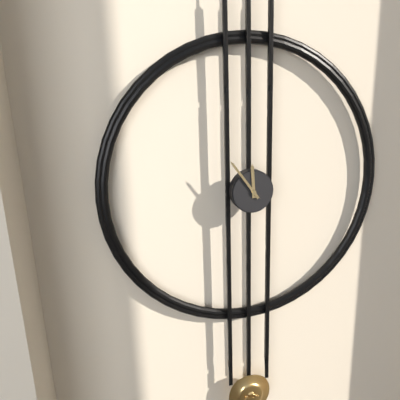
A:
h=11 m=54
